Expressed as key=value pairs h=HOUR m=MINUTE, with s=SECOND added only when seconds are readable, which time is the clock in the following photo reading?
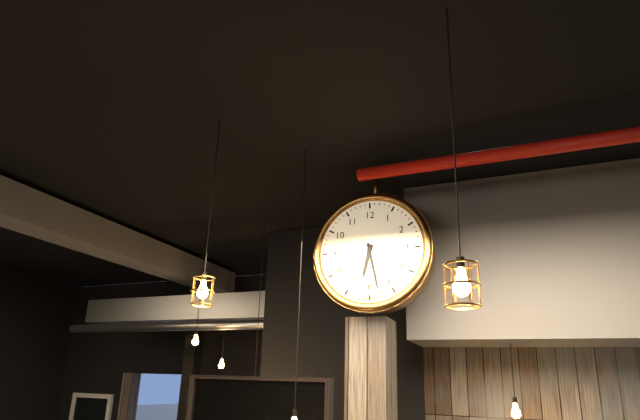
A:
h=6 m=28
